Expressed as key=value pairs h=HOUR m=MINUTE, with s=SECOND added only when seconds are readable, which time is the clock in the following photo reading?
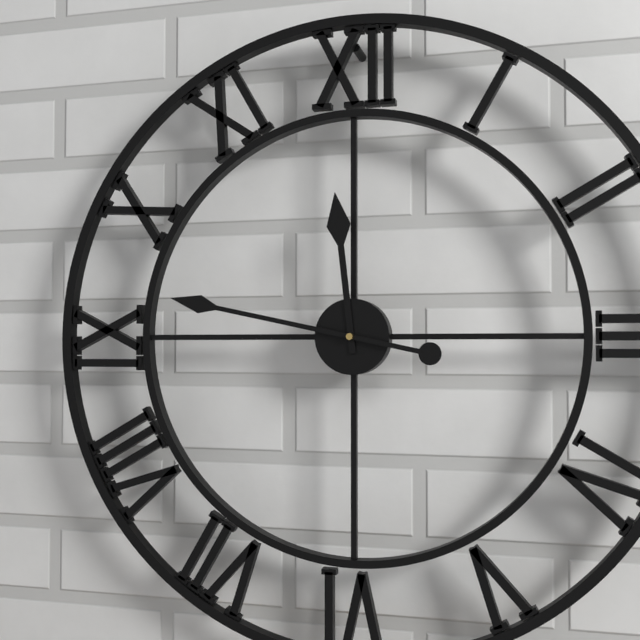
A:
h=11 m=47
